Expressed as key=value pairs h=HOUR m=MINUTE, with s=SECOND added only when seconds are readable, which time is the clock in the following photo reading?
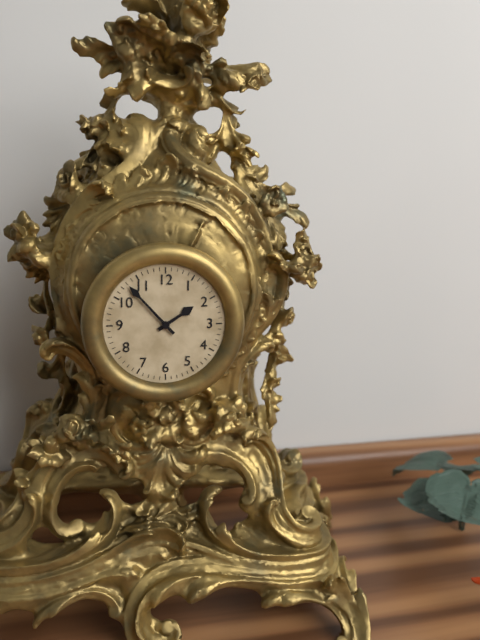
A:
h=1 m=53
